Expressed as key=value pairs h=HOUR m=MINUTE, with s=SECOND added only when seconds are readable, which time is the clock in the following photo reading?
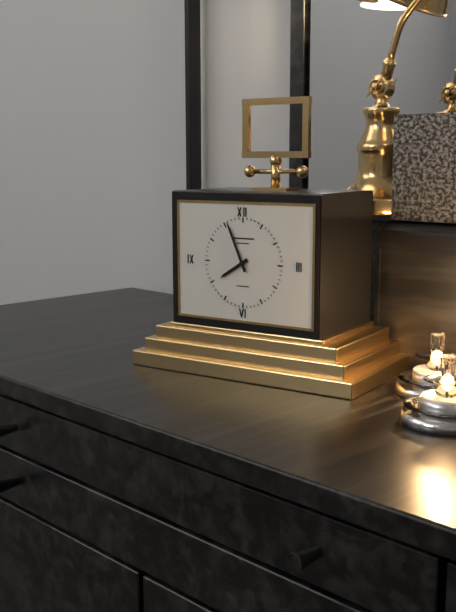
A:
h=7 m=56
